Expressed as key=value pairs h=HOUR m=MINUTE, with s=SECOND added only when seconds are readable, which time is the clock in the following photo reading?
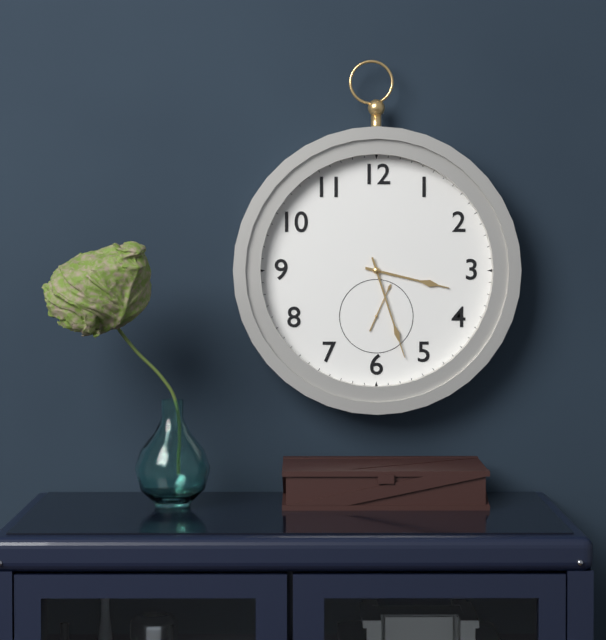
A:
h=3 m=27
